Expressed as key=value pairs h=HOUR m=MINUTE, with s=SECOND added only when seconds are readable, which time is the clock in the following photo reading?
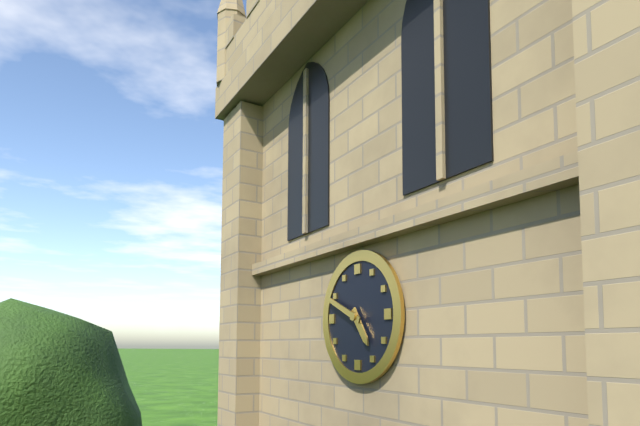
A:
h=4 m=49
